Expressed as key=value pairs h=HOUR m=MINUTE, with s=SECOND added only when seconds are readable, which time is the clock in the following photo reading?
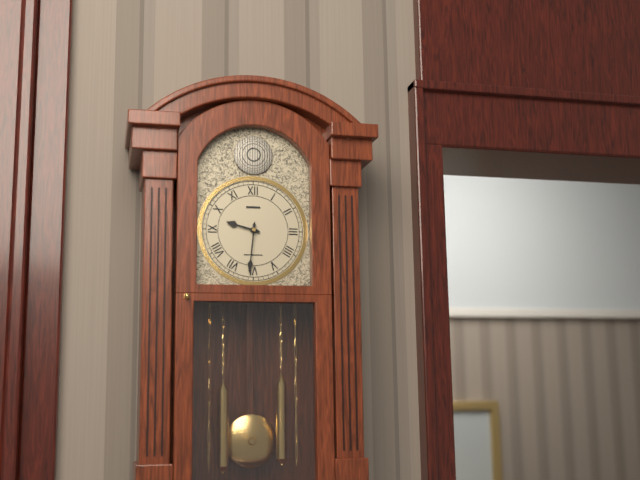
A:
h=9 m=31
